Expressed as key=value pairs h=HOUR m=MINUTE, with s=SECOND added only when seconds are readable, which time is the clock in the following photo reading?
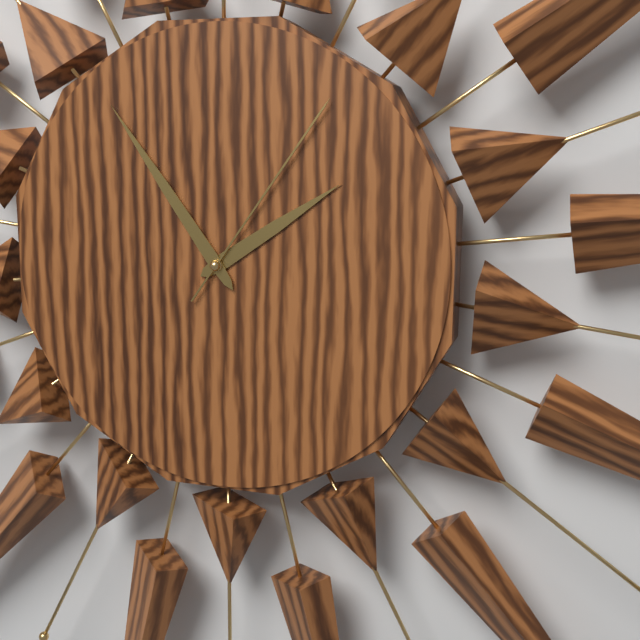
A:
h=1 m=54 s=6
